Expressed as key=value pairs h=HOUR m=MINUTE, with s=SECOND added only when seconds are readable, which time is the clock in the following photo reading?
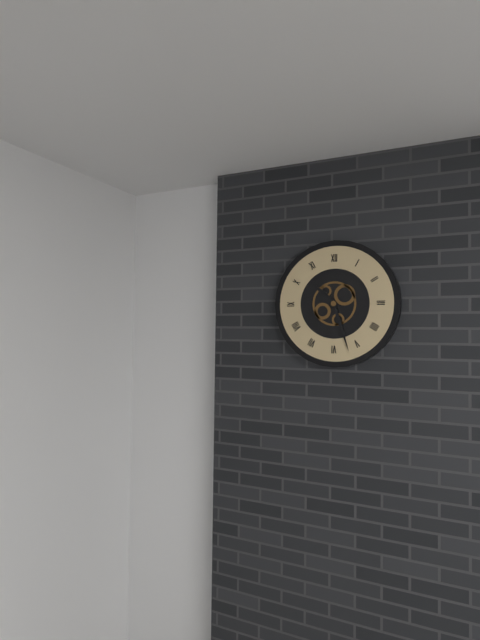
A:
h=10 m=27
